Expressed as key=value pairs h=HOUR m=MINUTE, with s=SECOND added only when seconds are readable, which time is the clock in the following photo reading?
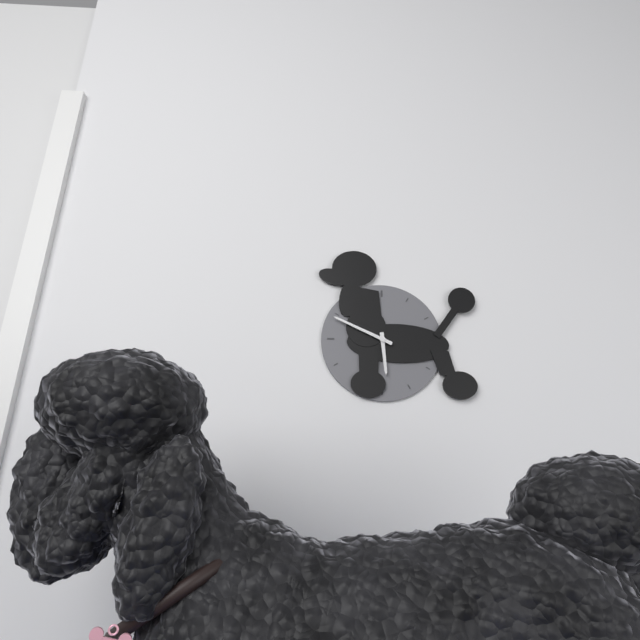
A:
h=5 m=49
